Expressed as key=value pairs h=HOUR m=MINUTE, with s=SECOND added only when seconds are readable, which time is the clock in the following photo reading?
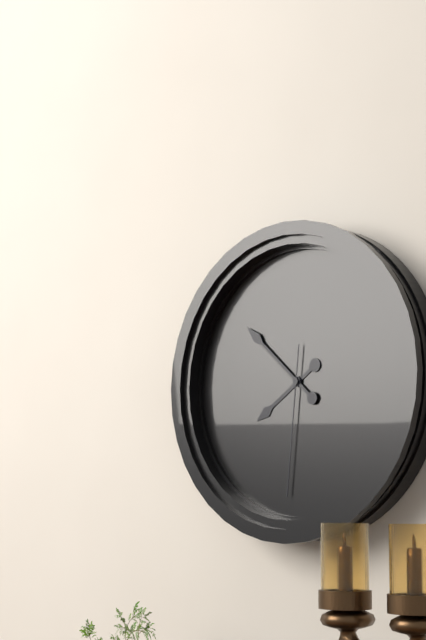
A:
h=7 m=52 s=31
